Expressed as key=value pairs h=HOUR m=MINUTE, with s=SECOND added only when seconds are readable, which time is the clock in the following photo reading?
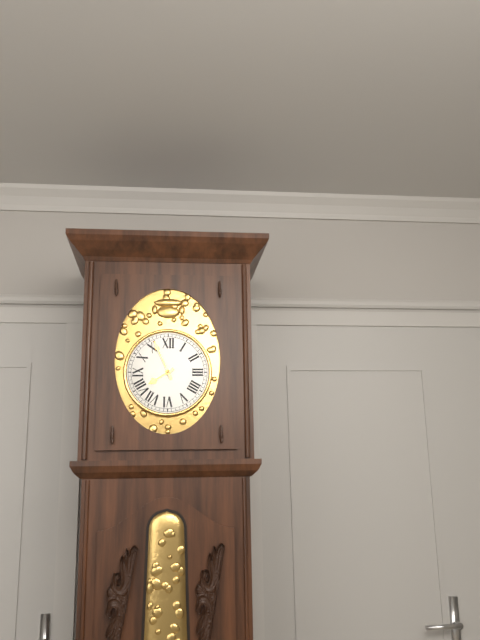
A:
h=7 m=56
